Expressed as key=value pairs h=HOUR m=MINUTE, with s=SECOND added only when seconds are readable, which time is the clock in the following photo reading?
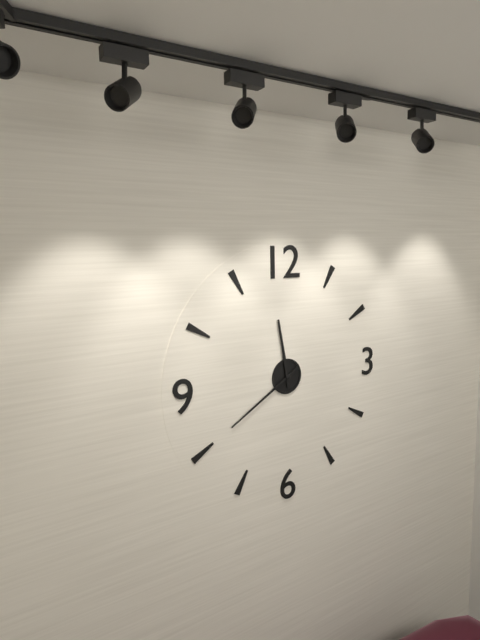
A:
h=11 m=40
